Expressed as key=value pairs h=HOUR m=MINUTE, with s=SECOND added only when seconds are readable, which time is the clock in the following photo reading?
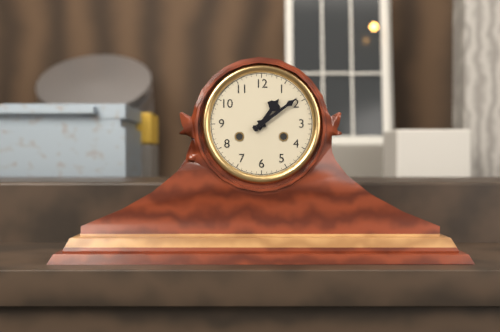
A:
h=1 m=9
